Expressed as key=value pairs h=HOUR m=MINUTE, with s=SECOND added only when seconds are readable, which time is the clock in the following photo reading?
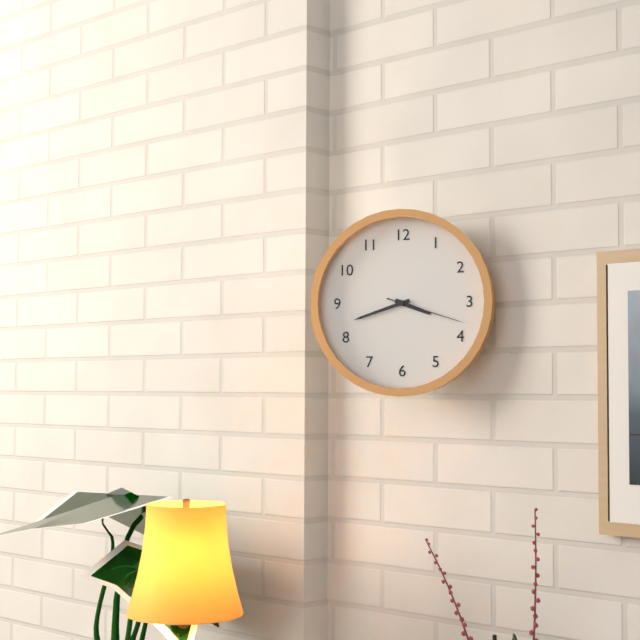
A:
h=3 m=42 s=18
